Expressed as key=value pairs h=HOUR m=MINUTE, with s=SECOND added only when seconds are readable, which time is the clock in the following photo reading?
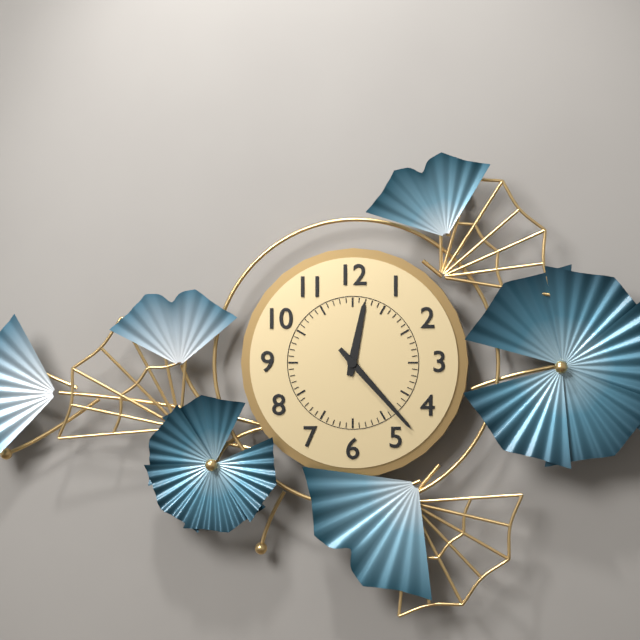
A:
h=12 m=23
